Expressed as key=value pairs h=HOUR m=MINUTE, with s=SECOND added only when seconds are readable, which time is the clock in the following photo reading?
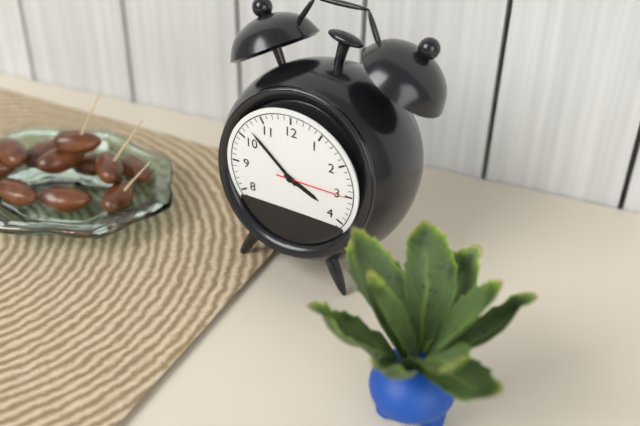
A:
h=3 m=52 s=15
